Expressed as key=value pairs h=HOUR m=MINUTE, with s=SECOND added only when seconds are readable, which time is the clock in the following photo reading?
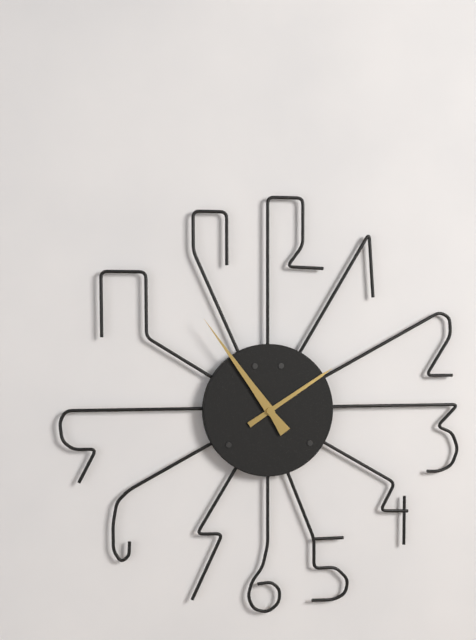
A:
h=1 m=54
